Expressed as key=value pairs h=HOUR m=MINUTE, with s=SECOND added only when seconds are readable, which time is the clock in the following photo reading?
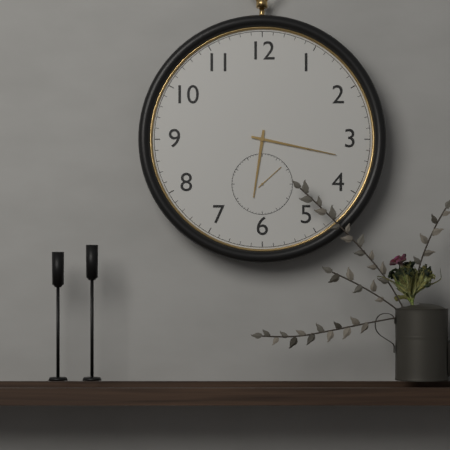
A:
h=6 m=17
